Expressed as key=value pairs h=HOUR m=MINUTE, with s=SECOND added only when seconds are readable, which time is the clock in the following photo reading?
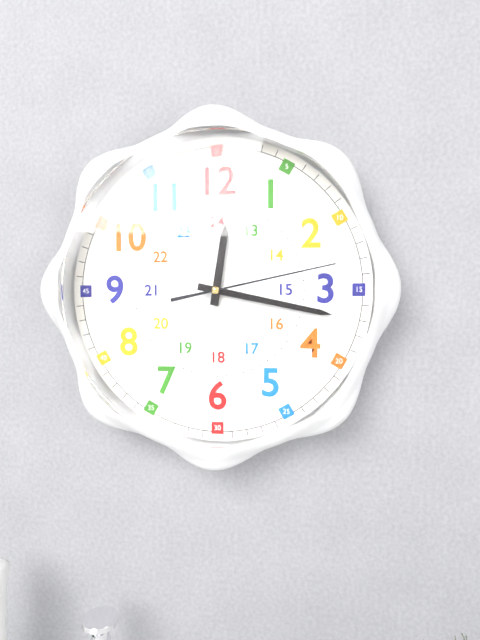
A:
h=12 m=17 s=13
